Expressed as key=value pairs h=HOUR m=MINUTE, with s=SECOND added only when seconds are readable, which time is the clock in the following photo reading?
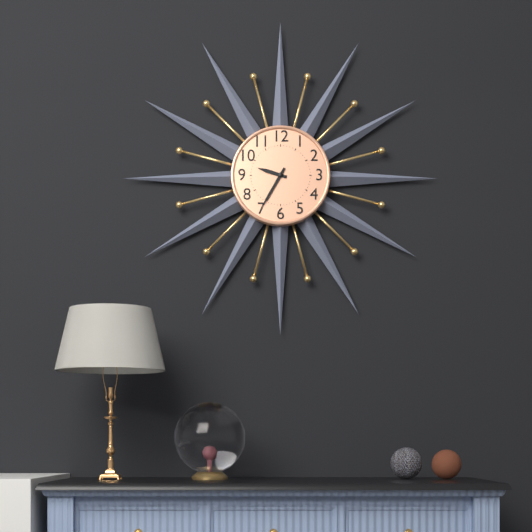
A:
h=9 m=35
